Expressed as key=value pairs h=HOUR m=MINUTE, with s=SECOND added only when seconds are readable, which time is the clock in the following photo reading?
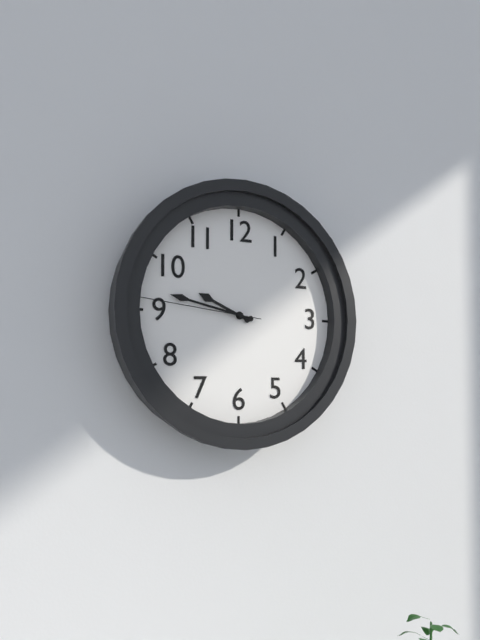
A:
h=9 m=47 s=46
